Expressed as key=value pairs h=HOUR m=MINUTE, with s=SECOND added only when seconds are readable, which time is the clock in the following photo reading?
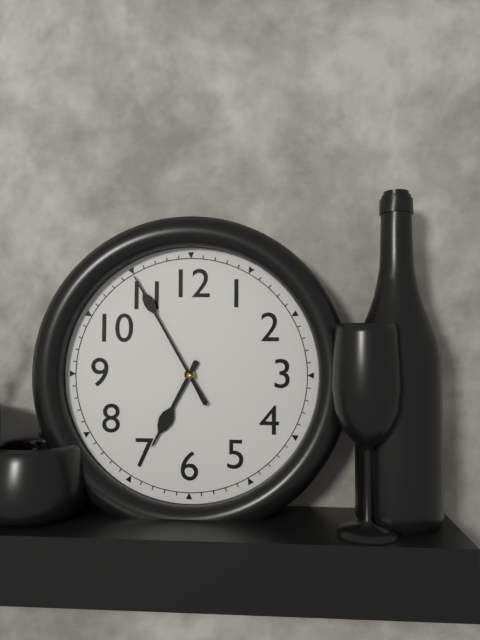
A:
h=6 m=55
